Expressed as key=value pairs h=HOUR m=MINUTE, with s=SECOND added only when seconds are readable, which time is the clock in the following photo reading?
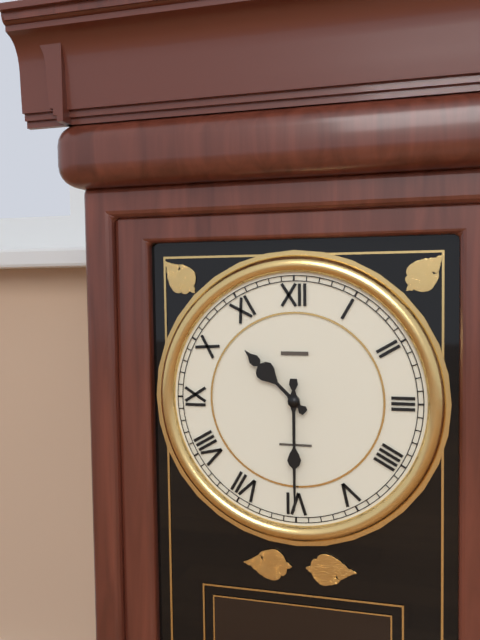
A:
h=10 m=30
